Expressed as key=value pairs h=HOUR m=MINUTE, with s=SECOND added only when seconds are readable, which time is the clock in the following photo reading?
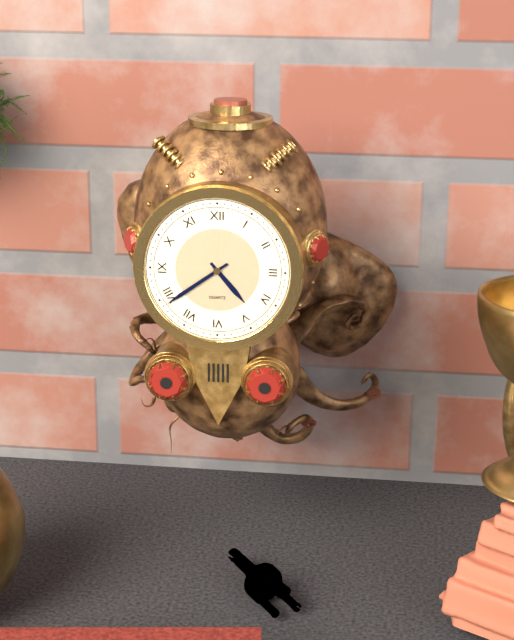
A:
h=4 m=39
